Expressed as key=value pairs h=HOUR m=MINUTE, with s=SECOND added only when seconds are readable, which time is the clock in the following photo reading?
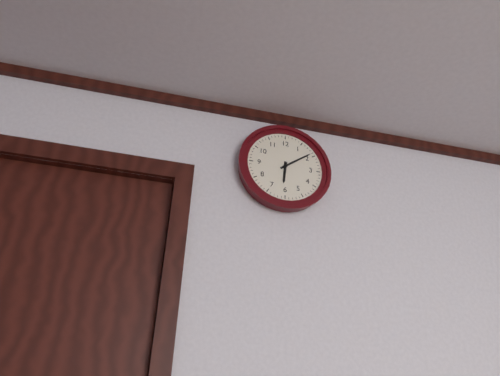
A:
h=6 m=9
